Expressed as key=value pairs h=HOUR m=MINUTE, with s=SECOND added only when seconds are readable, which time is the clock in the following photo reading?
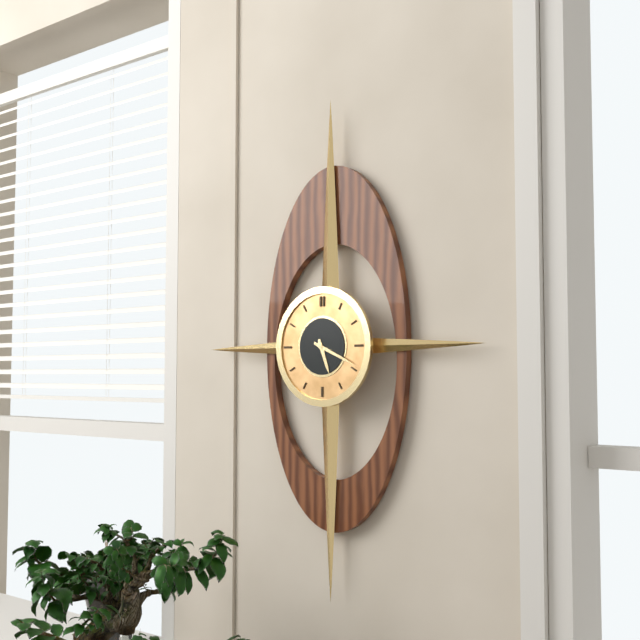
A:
h=5 m=19
